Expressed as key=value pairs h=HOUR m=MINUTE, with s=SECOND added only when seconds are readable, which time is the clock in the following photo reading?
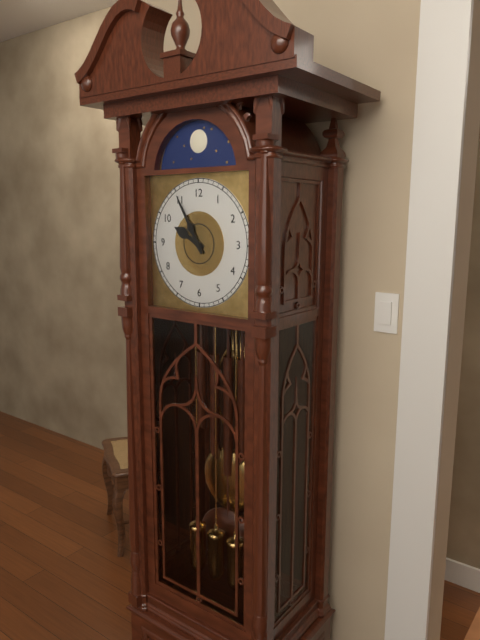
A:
h=9 m=55
